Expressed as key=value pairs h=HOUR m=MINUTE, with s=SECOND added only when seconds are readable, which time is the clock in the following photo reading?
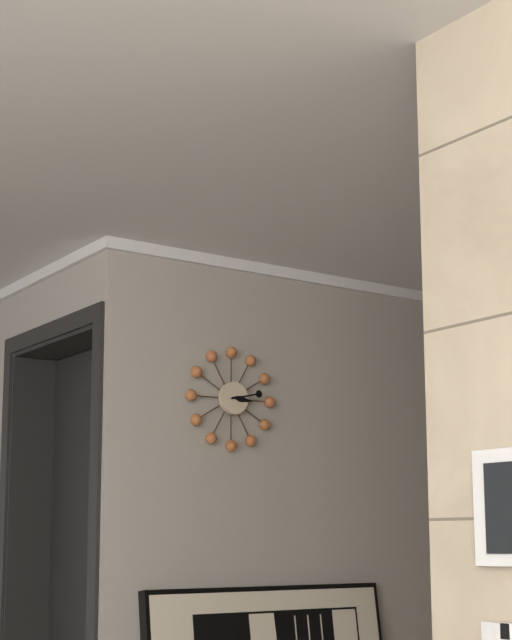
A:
h=3 m=13
